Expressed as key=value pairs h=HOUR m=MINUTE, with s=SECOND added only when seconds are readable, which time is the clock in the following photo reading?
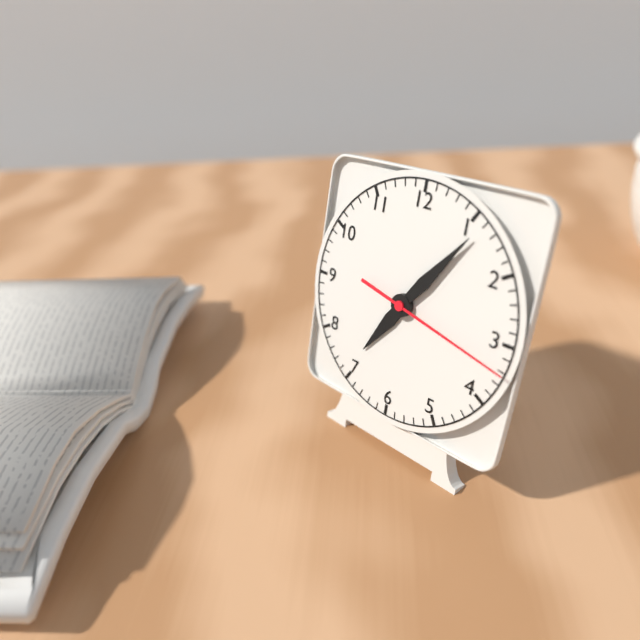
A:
h=7 m=6 s=17
